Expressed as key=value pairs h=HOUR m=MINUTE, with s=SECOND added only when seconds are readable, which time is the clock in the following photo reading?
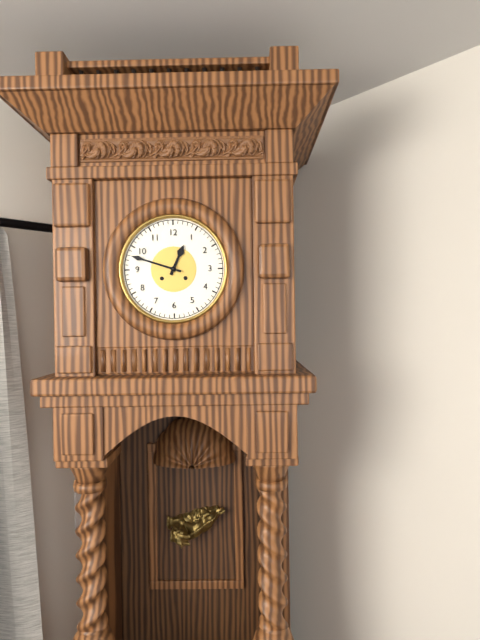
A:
h=12 m=48
